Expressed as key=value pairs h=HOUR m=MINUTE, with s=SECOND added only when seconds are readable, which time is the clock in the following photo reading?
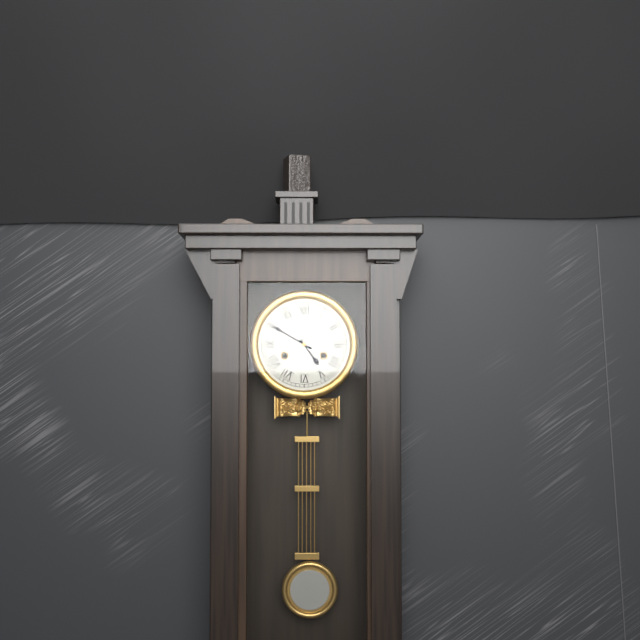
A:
h=4 m=50
